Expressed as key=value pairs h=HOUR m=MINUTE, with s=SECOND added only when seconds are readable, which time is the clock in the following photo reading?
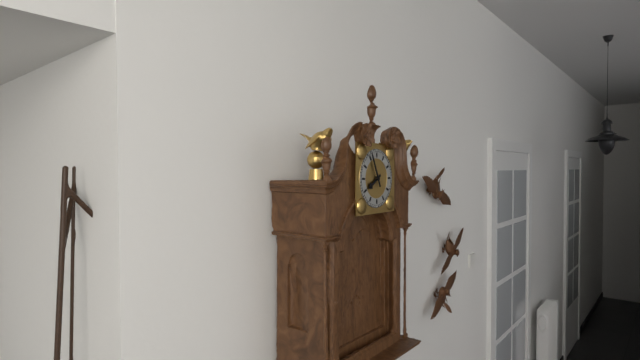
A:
h=7 m=56
